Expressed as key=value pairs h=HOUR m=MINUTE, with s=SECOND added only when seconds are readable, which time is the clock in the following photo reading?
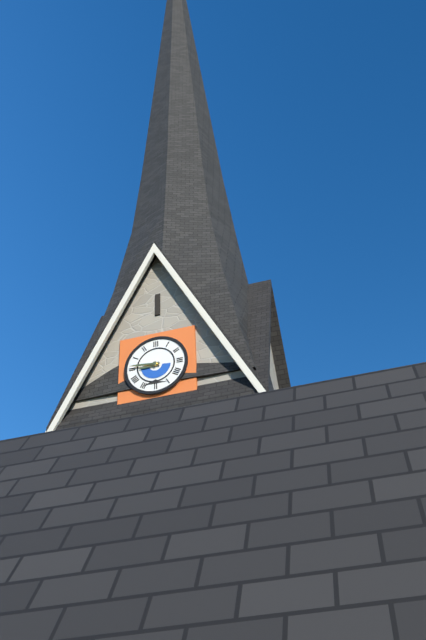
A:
h=8 m=46
